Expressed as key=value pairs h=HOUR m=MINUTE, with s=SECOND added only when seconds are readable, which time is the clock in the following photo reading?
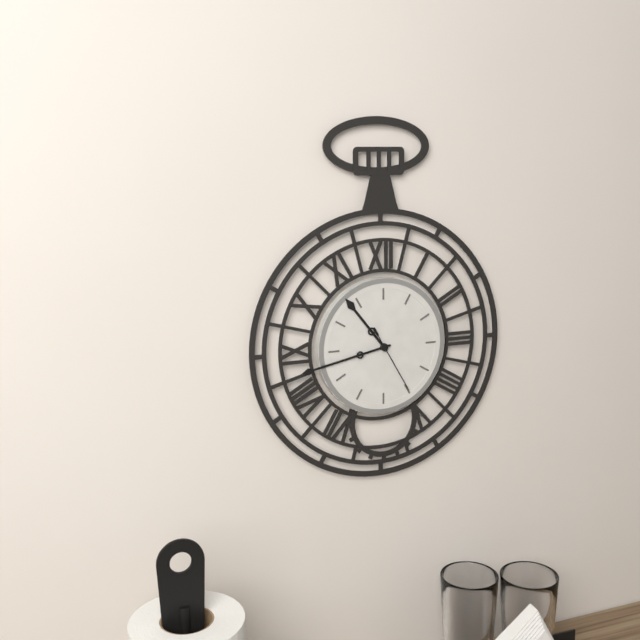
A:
h=10 m=43 s=25
